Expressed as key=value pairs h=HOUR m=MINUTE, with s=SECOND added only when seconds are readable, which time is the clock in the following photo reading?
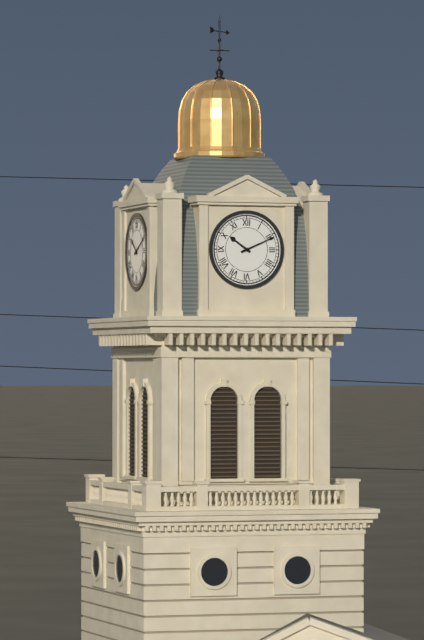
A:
h=10 m=11
